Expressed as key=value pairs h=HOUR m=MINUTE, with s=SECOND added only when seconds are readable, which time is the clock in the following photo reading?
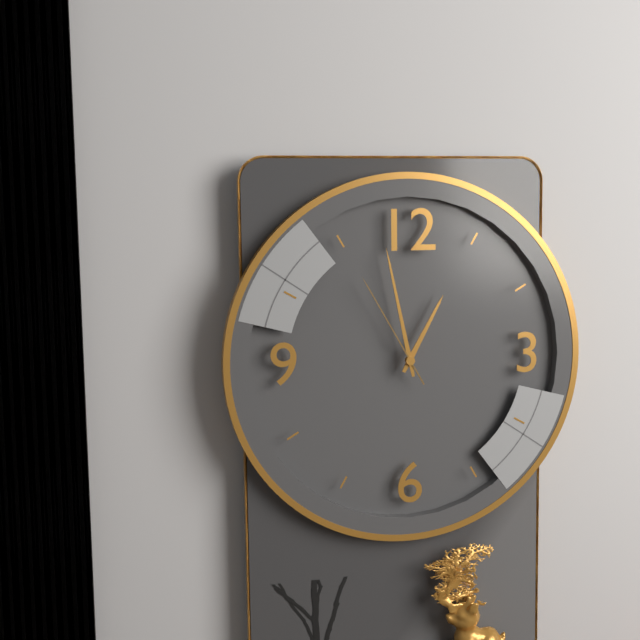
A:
h=12 m=58 s=55
